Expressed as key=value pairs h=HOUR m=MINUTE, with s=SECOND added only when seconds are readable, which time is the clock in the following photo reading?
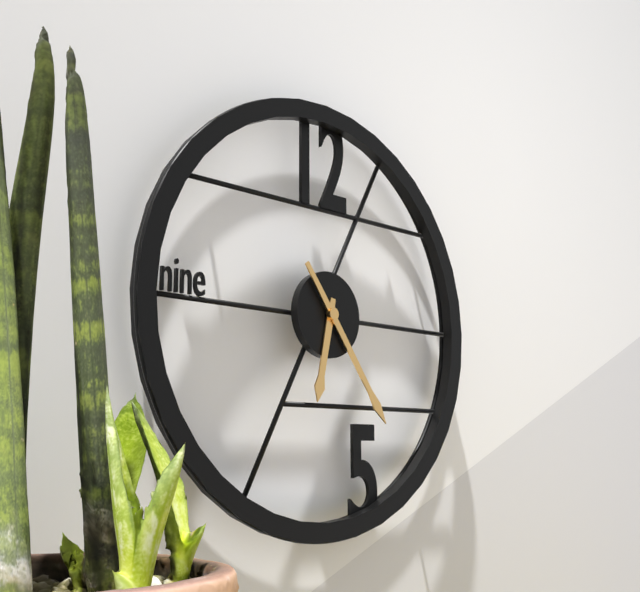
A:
h=6 m=24
